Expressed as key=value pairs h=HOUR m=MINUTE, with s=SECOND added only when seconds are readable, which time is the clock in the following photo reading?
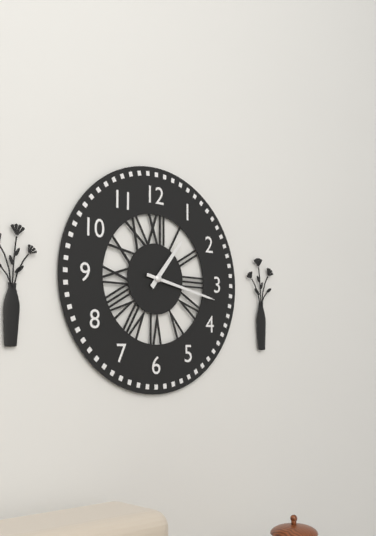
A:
h=1 m=17
